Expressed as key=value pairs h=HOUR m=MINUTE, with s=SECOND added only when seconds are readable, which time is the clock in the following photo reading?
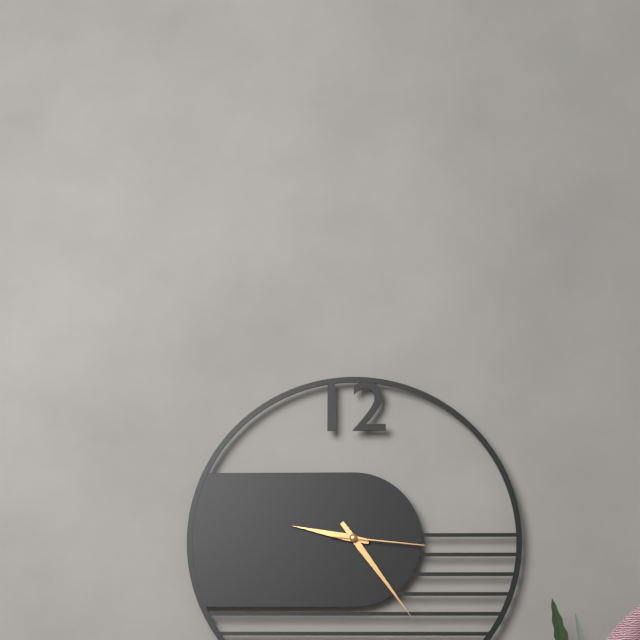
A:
h=9 m=24 s=16
